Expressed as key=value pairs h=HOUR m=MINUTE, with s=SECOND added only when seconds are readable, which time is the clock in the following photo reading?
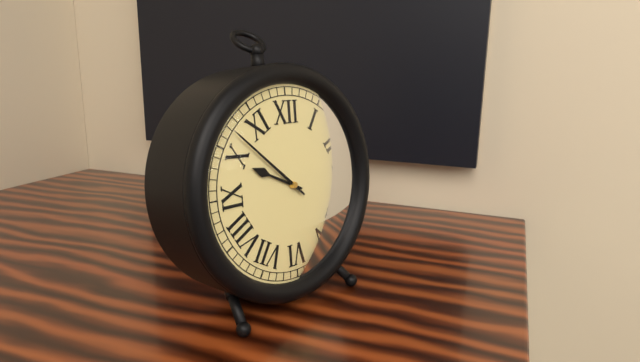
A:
h=9 m=52
